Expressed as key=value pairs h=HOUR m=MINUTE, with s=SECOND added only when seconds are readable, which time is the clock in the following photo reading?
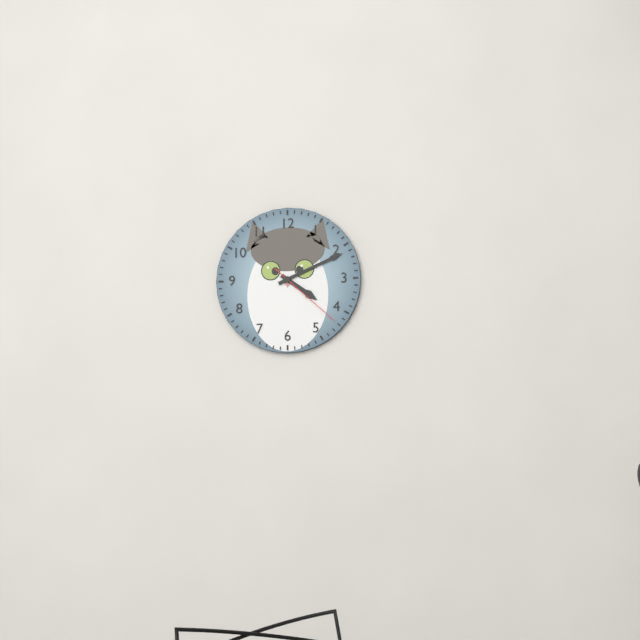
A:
h=4 m=11 s=22
